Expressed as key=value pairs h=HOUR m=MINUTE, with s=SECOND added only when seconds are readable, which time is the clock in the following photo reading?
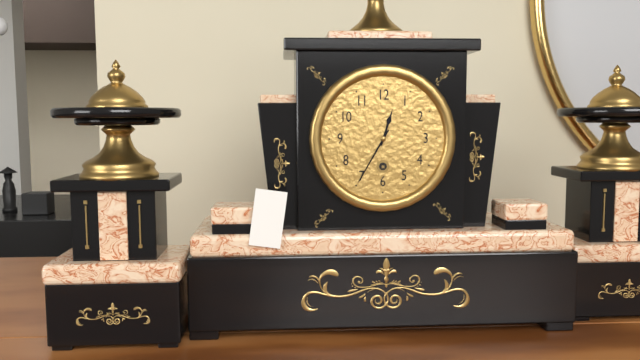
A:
h=12 m=35
